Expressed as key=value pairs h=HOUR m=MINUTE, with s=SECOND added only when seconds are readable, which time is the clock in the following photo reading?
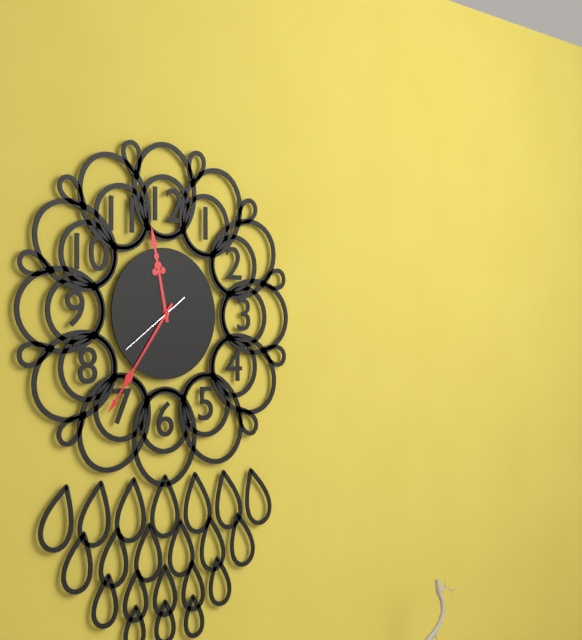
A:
h=11 m=36 s=39
